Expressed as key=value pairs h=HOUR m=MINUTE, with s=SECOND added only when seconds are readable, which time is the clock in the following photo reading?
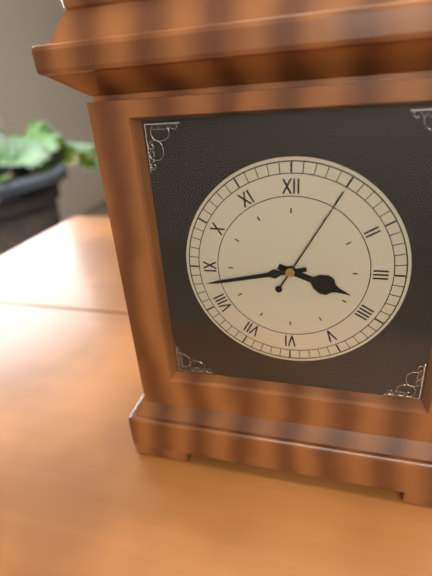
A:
h=3 m=43 s=5
